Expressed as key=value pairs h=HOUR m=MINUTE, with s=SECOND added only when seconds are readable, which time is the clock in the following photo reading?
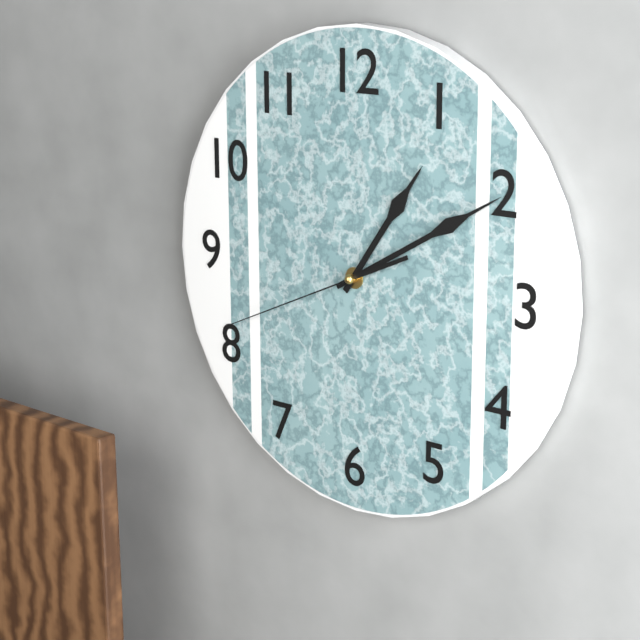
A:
h=1 m=10 s=41
